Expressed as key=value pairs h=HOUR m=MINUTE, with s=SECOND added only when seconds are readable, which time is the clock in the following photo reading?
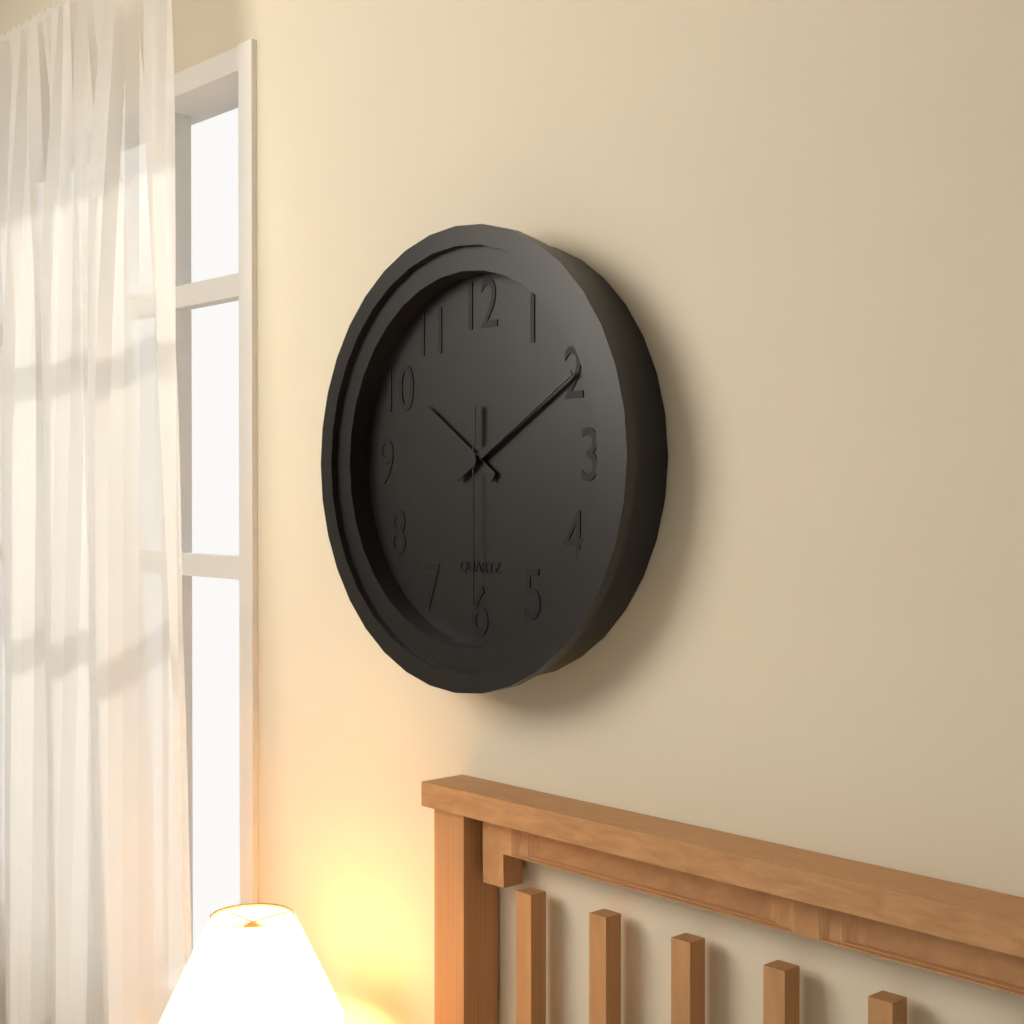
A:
h=10 m=10 s=30
